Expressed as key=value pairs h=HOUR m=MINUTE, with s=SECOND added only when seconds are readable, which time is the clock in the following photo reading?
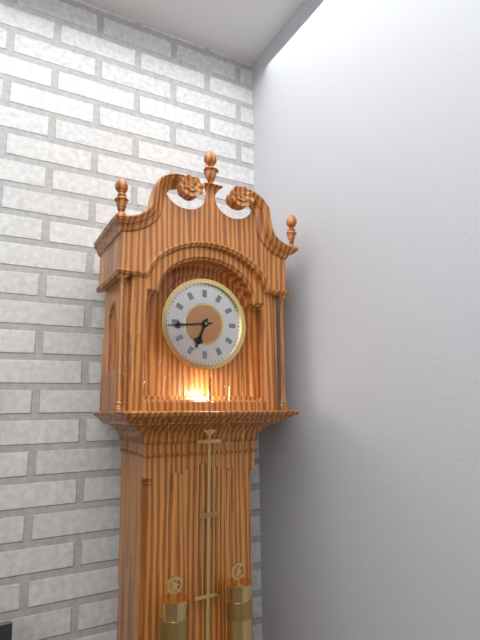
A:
h=6 m=44
